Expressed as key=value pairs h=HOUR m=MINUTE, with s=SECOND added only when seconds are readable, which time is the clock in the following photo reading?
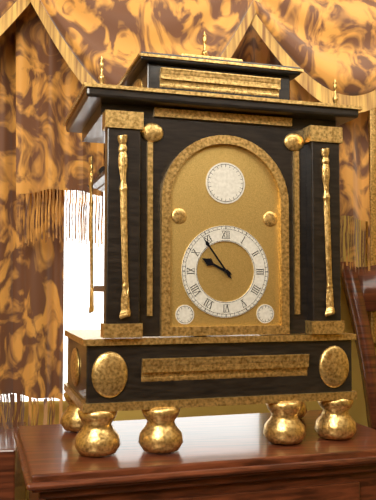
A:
h=9 m=54
